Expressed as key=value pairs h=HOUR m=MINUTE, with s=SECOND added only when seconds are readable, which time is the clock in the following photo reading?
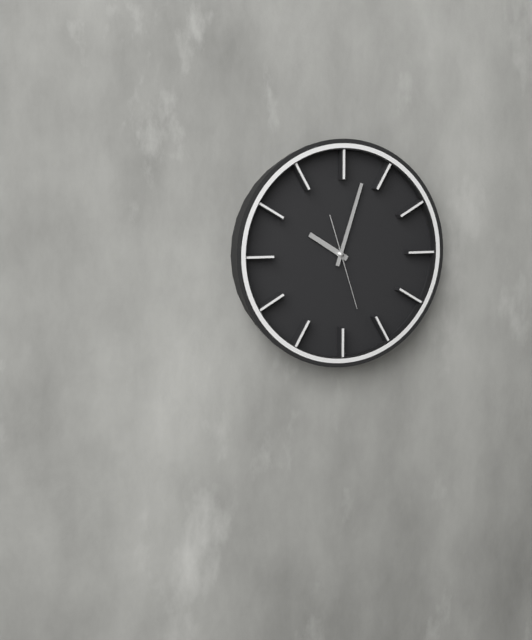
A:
h=10 m=3 s=27
